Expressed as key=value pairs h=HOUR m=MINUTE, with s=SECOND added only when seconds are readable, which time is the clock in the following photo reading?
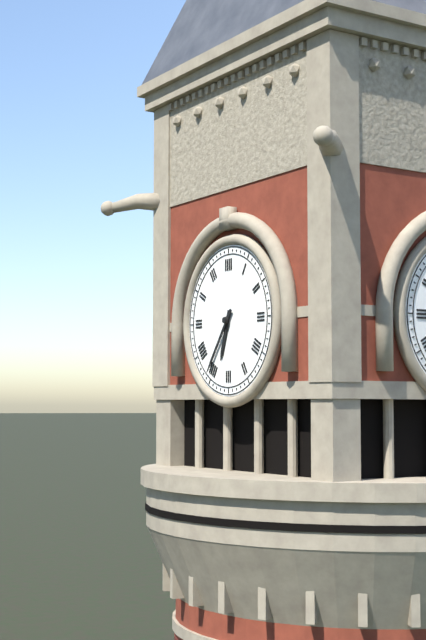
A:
h=6 m=36
